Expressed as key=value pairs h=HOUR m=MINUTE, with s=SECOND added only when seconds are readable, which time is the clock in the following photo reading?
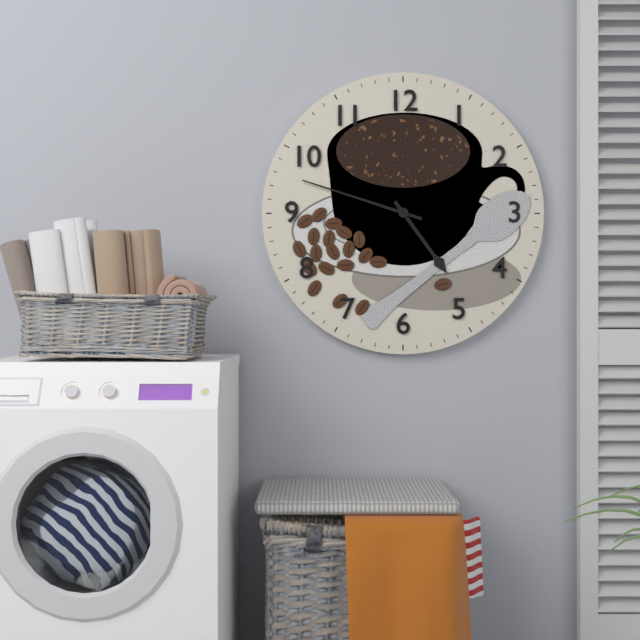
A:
h=4 m=48
